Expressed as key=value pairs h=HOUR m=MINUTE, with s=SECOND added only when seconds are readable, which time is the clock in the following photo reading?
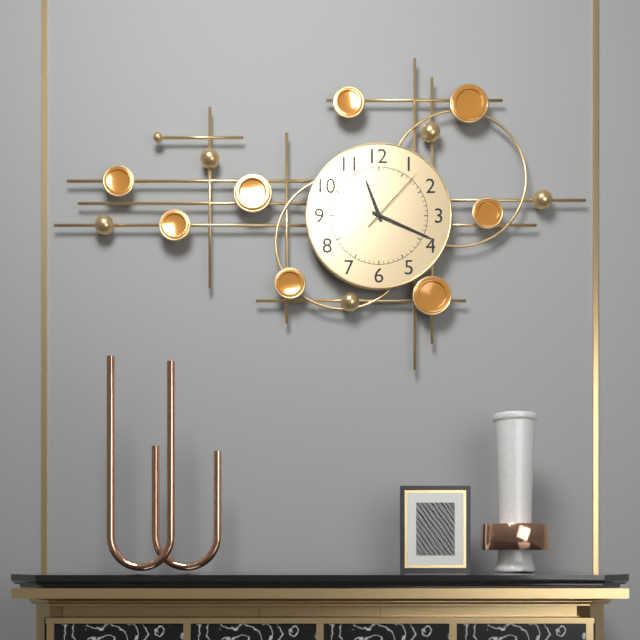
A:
h=11 m=19 s=7
